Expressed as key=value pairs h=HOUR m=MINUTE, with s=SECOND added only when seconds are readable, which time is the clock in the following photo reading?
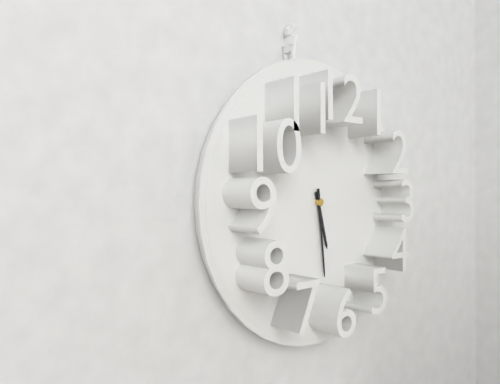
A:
h=5 m=29
